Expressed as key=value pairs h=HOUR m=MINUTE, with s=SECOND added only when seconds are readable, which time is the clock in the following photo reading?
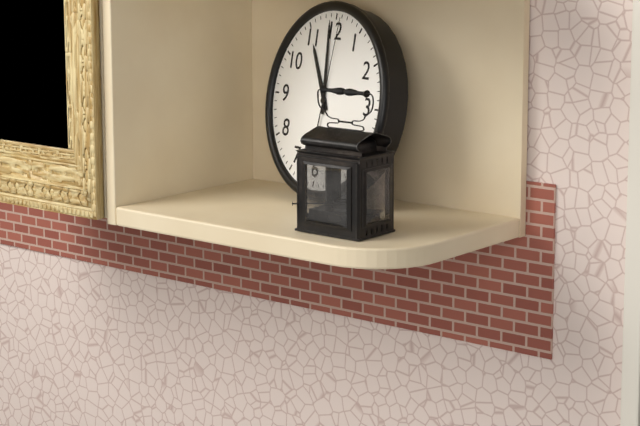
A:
h=10 m=59 s=1
